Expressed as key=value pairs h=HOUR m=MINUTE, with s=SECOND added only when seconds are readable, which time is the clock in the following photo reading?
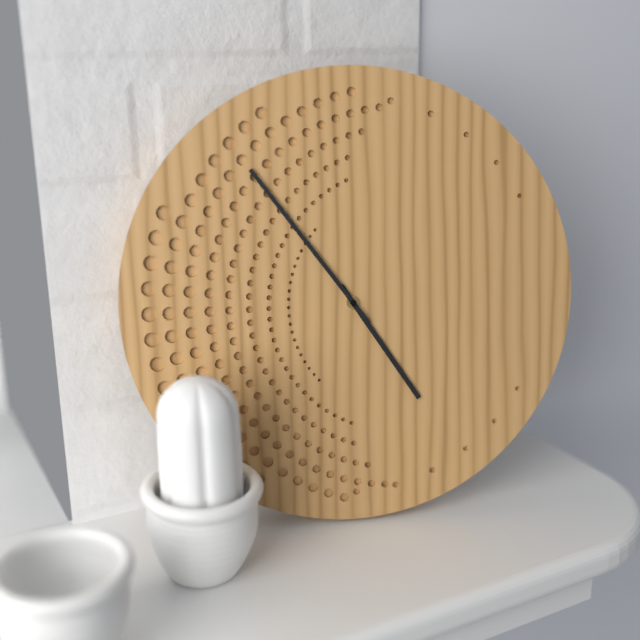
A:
h=4 m=54
